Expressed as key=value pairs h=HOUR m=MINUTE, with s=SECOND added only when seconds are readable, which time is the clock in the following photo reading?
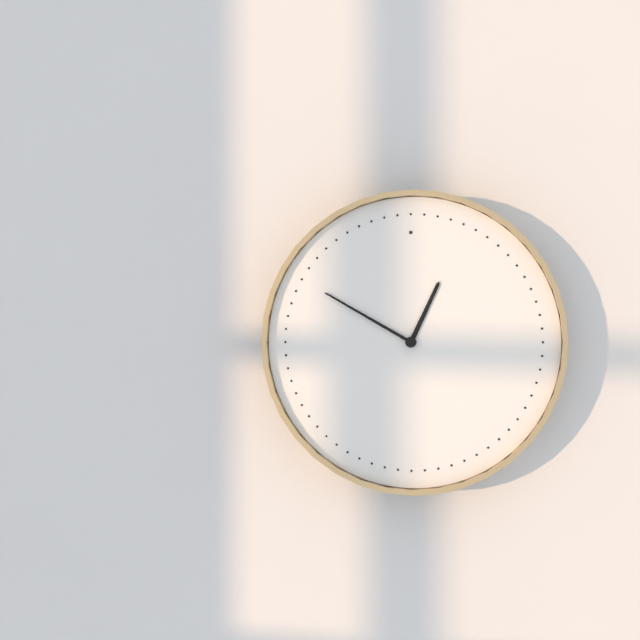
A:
h=12 m=50
